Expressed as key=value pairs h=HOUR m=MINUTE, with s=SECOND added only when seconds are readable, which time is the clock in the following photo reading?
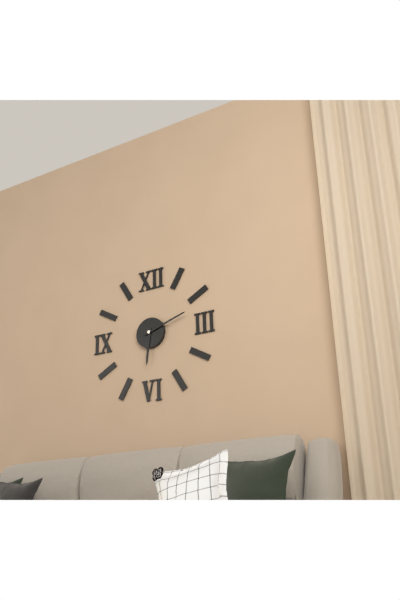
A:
h=6 m=12
